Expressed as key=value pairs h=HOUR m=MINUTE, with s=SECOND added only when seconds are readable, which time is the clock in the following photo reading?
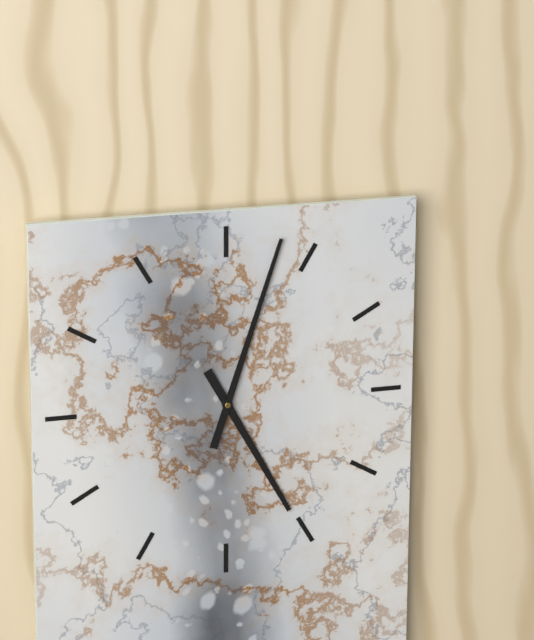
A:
h=5 m=3
